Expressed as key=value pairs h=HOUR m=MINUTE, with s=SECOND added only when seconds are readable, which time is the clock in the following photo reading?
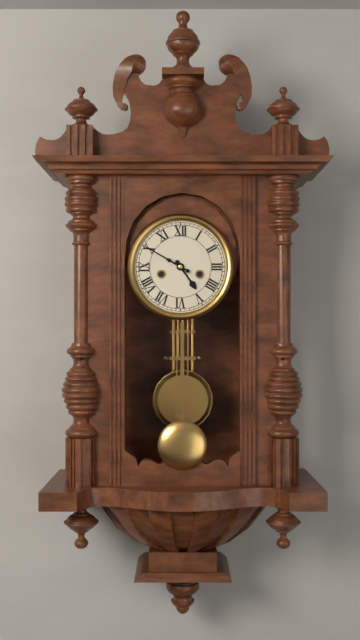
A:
h=4 m=50
